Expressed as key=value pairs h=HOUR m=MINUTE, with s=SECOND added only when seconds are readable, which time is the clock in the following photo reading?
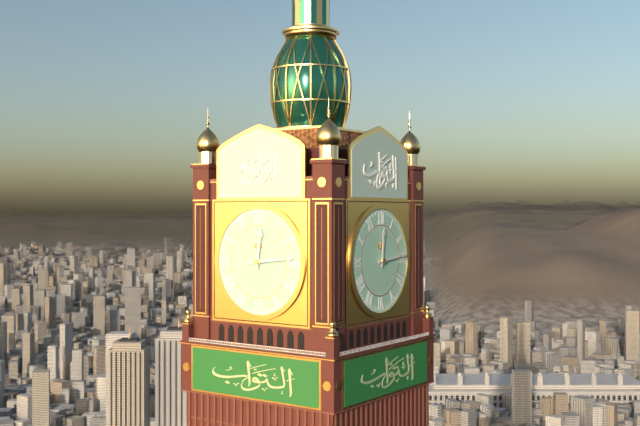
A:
h=12 m=14
